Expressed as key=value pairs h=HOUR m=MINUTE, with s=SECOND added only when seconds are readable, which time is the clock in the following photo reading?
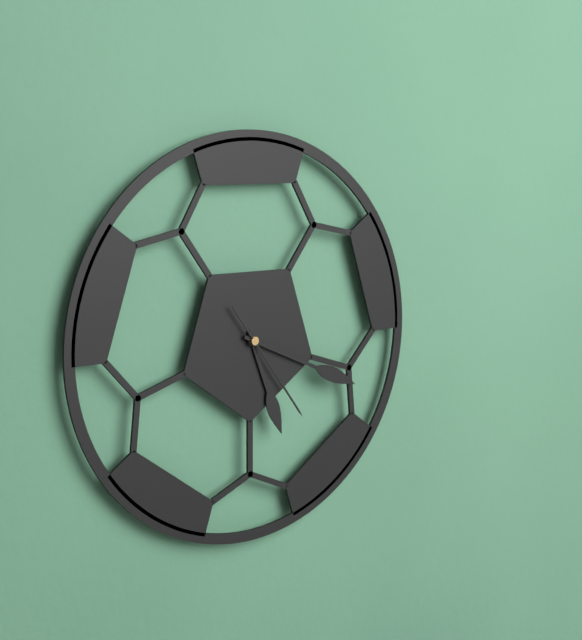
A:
h=5 m=19 s=24
